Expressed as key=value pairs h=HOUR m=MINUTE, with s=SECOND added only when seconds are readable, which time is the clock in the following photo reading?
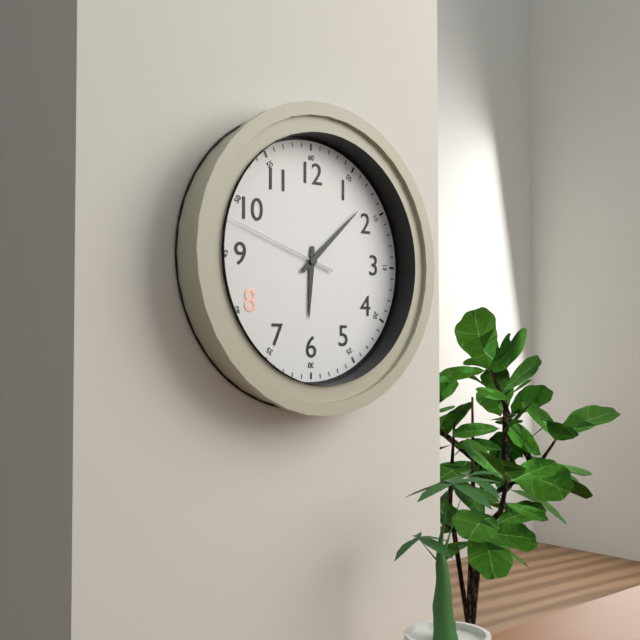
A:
h=6 m=8 s=48
